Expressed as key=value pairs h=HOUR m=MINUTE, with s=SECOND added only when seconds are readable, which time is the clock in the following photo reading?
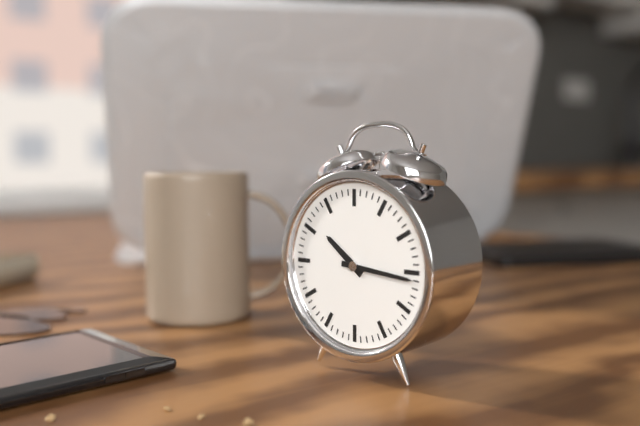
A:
h=10 m=16
